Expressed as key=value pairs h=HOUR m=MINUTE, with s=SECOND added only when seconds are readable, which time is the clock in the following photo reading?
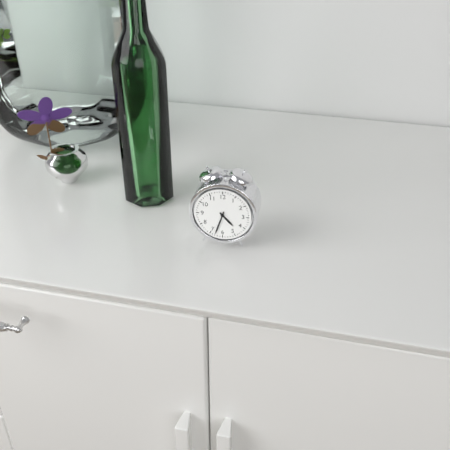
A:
h=4 m=33
